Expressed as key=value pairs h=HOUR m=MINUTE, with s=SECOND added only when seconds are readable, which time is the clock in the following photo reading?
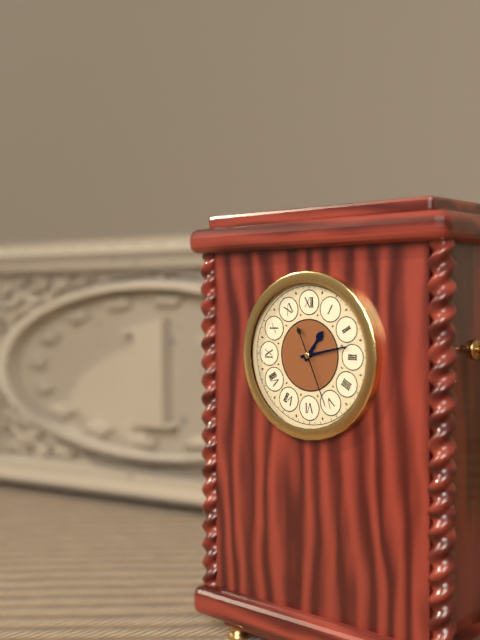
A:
h=1 m=13 s=26
